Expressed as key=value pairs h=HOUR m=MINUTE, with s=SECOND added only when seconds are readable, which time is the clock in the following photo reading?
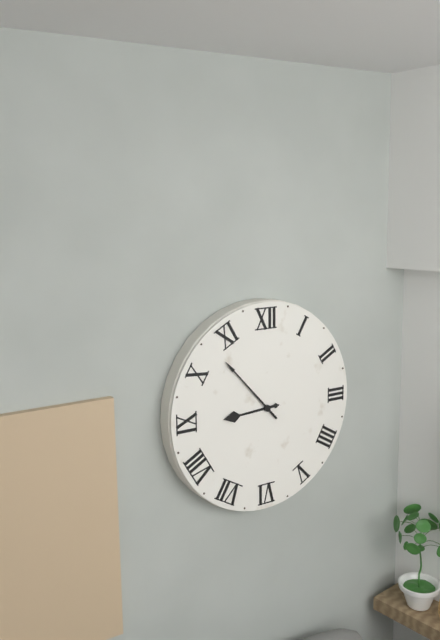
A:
h=8 m=53
